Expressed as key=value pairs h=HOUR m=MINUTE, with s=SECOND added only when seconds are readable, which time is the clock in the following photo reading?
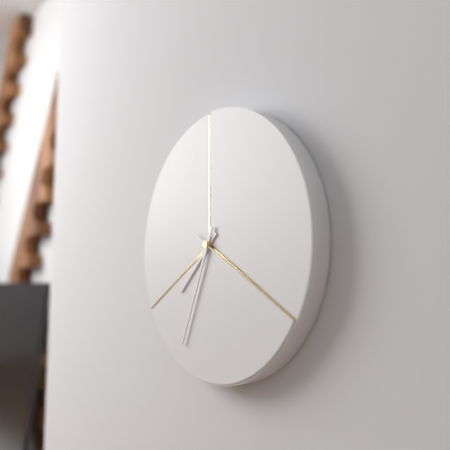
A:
h=7 m=34 s=20
